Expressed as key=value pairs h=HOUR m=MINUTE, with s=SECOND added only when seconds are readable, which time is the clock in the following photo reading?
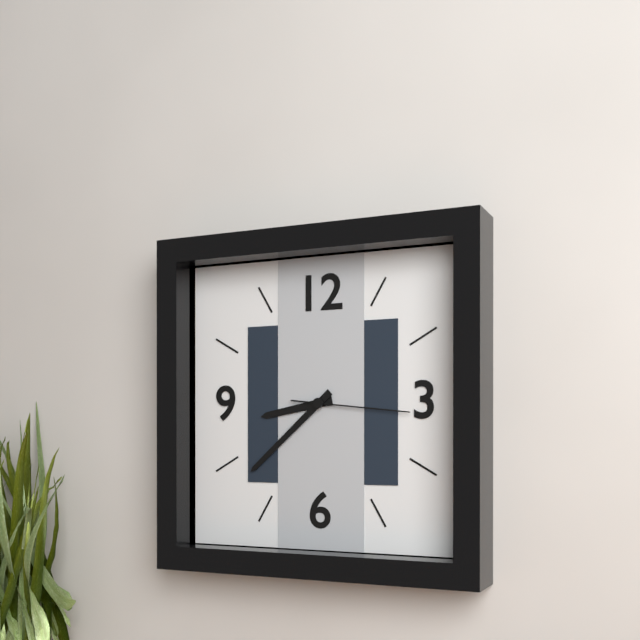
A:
h=8 m=38 s=16
